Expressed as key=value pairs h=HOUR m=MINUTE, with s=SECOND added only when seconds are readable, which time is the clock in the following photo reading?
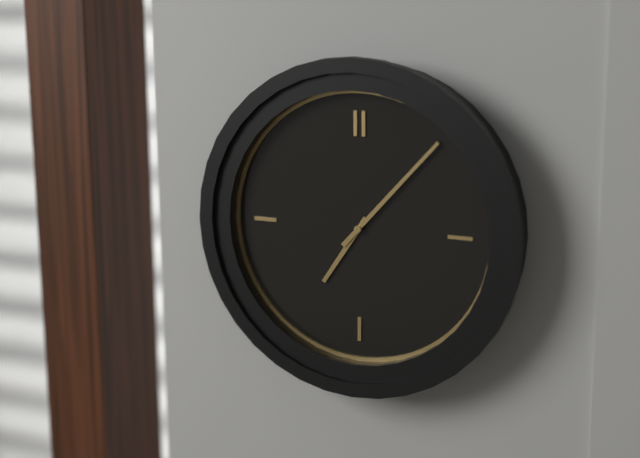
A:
h=7 m=7
